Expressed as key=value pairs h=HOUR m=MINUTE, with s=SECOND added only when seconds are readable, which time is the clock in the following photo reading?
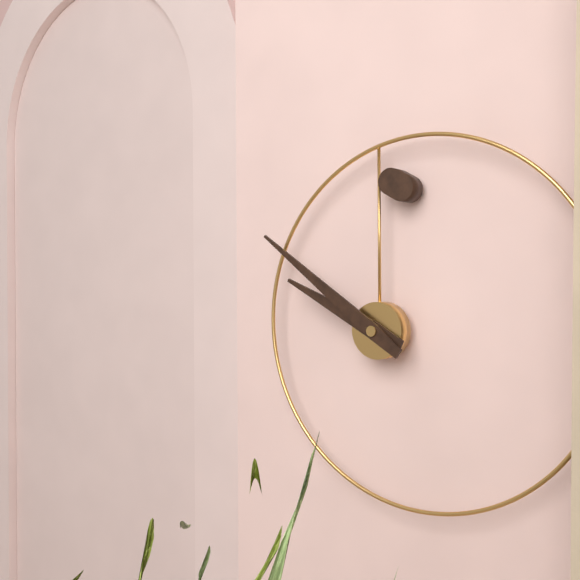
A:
h=9 m=51
